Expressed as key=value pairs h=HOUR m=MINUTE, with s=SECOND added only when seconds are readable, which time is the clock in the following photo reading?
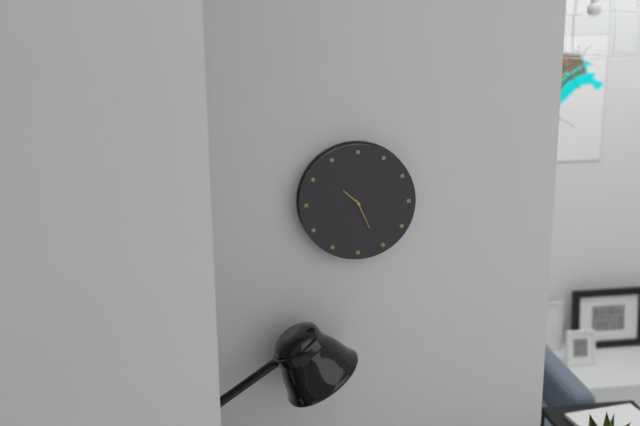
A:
h=10 m=26
